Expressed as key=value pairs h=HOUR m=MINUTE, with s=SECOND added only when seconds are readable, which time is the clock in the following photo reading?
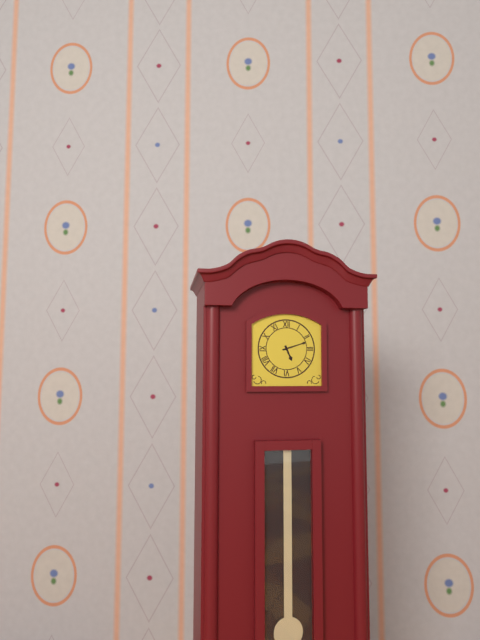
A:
h=5 m=12
